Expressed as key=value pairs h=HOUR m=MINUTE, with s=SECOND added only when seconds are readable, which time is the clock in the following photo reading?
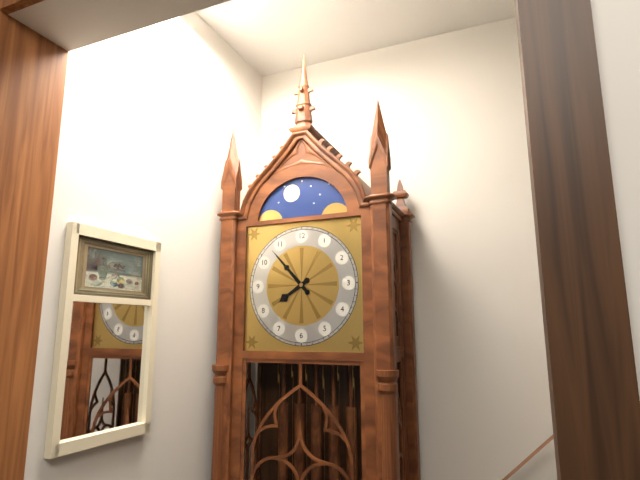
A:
h=7 m=53
